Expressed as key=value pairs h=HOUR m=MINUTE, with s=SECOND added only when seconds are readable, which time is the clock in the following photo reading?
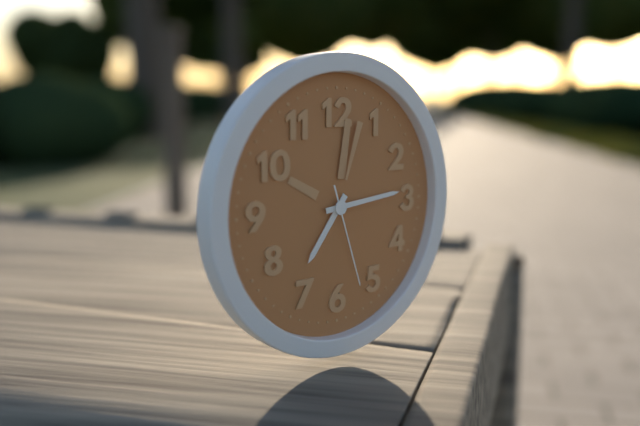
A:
h=7 m=14 s=27
